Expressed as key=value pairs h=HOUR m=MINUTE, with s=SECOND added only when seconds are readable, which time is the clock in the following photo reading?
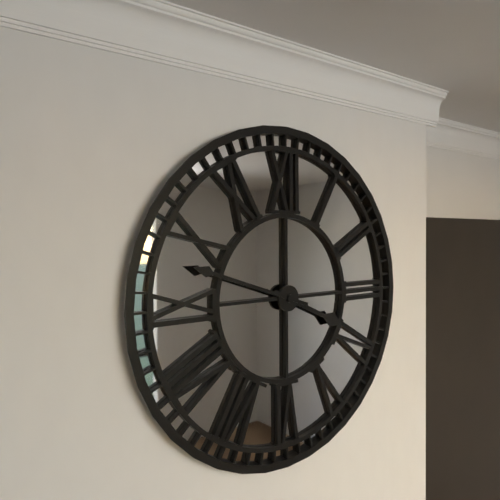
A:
h=3 m=48
